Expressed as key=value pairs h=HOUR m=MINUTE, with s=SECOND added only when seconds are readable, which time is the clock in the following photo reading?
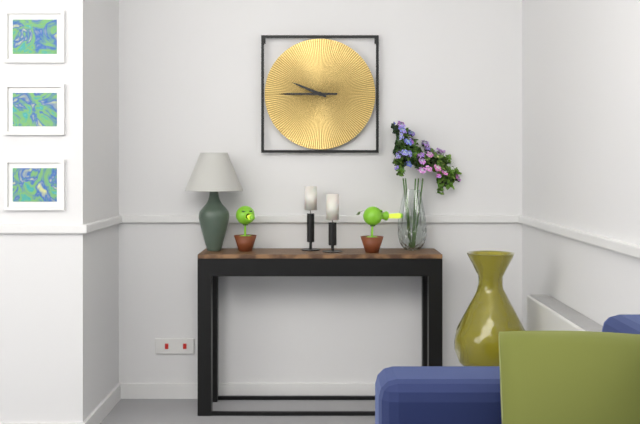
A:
h=9 m=45
